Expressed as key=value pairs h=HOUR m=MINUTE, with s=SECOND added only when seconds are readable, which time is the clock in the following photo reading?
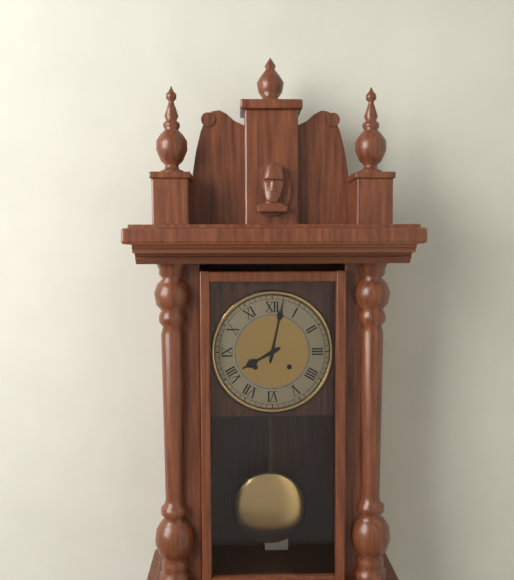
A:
h=8 m=2
